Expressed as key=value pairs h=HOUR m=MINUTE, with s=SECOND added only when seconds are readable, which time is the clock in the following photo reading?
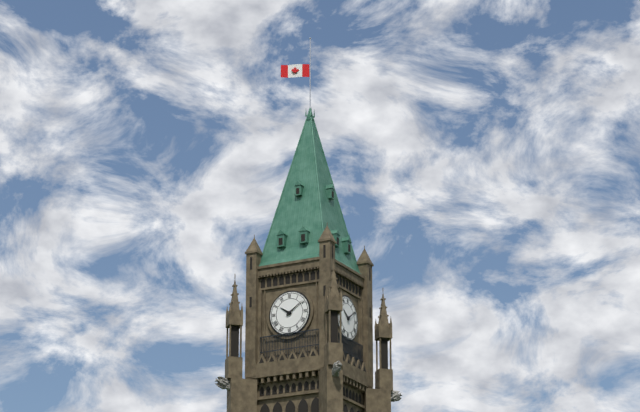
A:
h=10 m=9
